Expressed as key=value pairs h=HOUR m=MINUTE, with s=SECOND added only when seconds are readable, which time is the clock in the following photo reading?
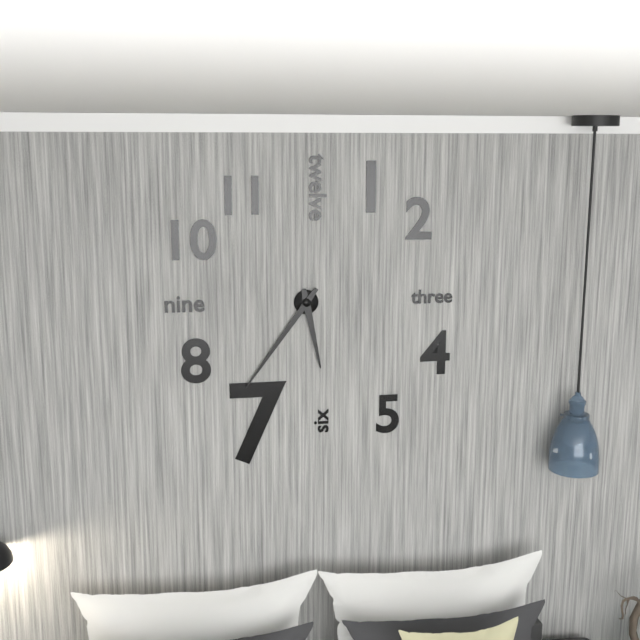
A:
h=5 m=36
